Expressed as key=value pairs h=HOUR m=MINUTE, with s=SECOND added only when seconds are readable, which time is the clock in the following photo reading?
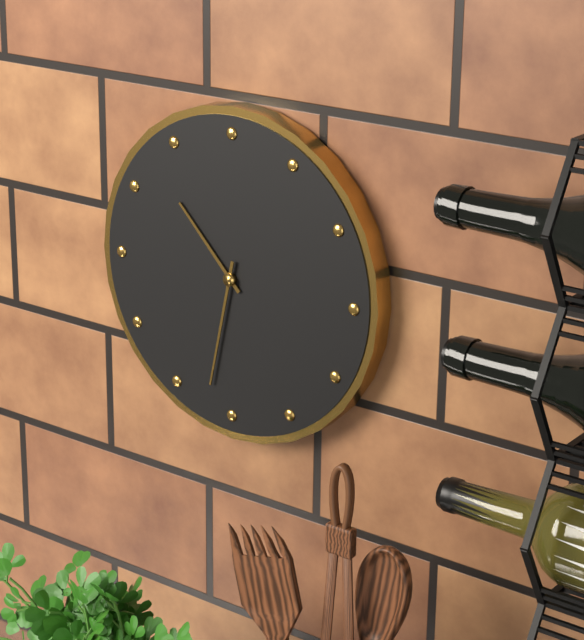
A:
h=10 m=32
